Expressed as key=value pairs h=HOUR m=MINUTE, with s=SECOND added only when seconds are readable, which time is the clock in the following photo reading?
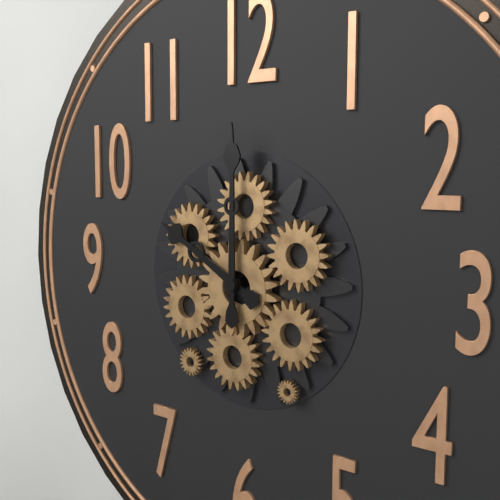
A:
h=10 m=0
